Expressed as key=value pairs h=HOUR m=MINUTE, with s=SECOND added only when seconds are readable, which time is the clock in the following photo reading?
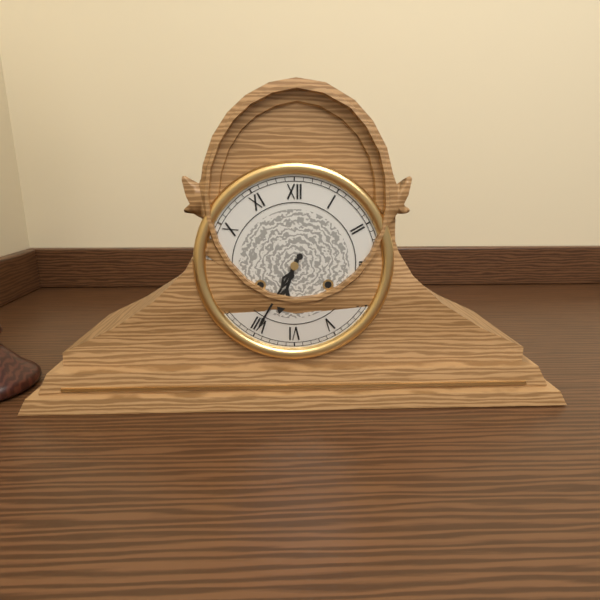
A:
h=6 m=35
